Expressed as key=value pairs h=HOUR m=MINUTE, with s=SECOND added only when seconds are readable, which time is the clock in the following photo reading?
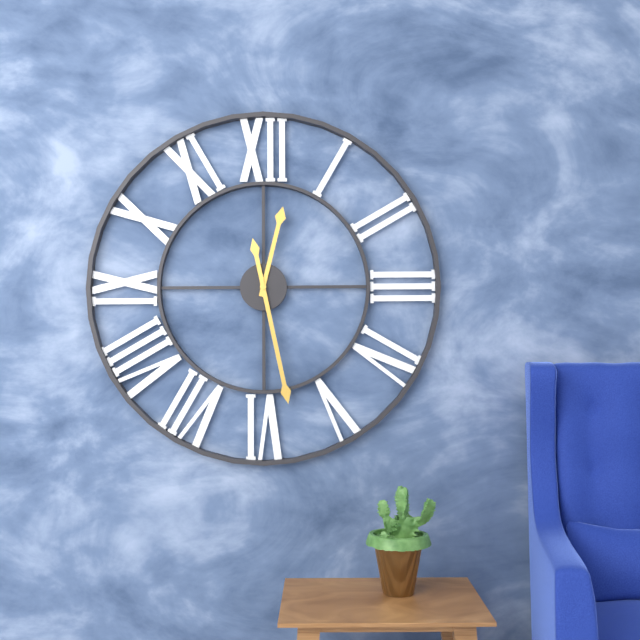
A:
h=12 m=28
